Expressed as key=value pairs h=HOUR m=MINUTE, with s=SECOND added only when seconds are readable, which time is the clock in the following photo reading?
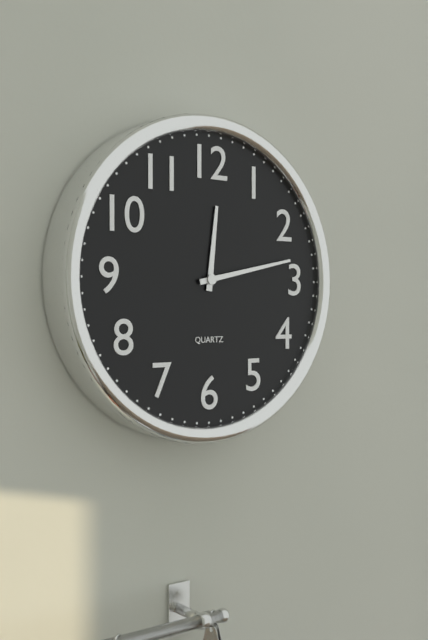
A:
h=12 m=13
